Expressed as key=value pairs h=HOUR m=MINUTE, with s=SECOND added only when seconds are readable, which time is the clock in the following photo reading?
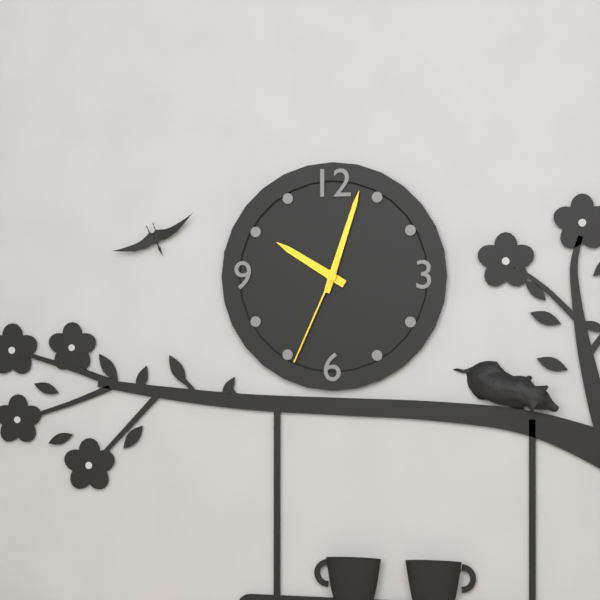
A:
h=10 m=3 s=34
